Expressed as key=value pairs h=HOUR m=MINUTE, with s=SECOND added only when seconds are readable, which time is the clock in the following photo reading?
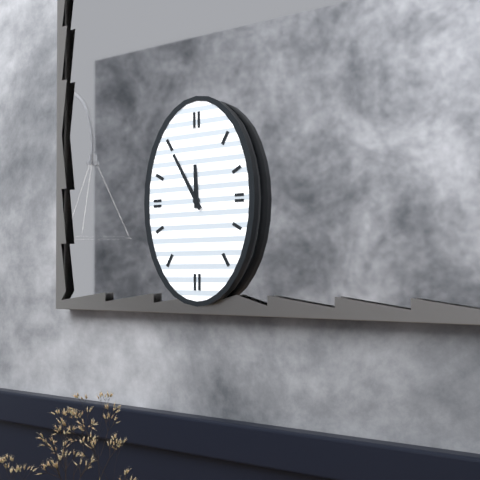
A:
h=11 m=55
